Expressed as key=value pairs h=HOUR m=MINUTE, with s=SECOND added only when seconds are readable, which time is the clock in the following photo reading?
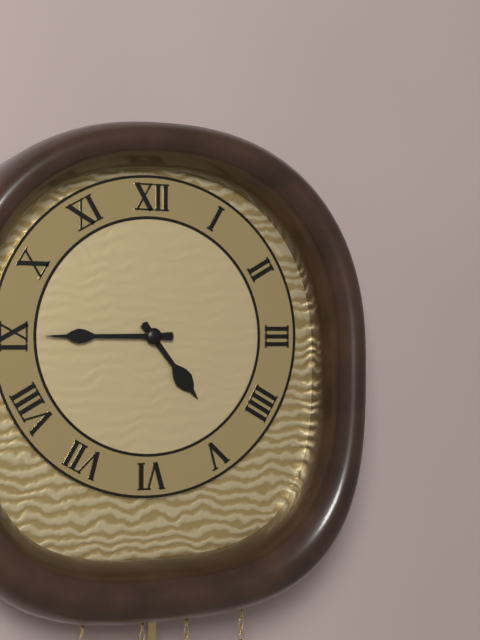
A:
h=4 m=45
